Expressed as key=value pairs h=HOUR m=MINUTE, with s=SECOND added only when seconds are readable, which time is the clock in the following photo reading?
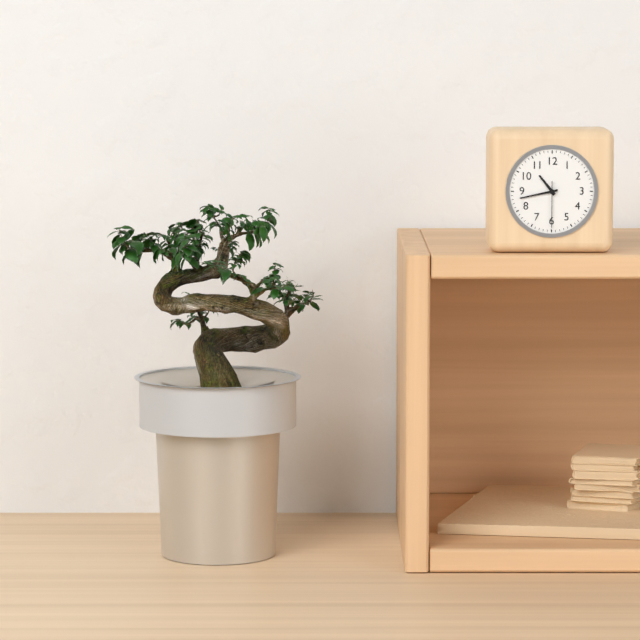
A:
h=10 m=43
